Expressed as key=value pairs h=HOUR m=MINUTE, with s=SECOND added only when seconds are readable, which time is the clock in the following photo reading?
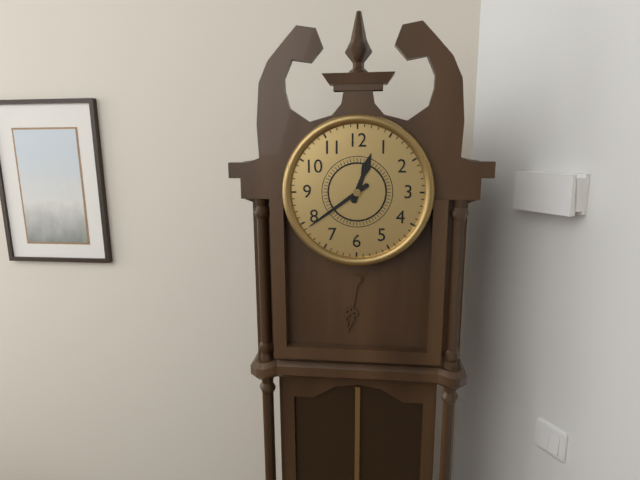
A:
h=12 m=39
